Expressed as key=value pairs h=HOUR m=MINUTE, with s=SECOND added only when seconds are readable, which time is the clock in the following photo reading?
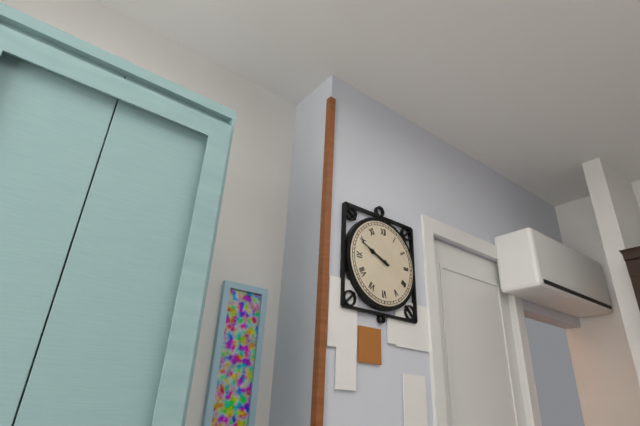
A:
h=9 m=49
